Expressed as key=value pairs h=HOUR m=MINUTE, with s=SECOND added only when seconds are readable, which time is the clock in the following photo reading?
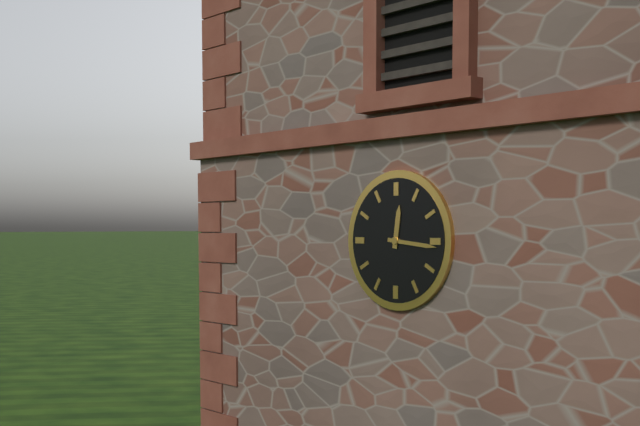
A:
h=12 m=16
